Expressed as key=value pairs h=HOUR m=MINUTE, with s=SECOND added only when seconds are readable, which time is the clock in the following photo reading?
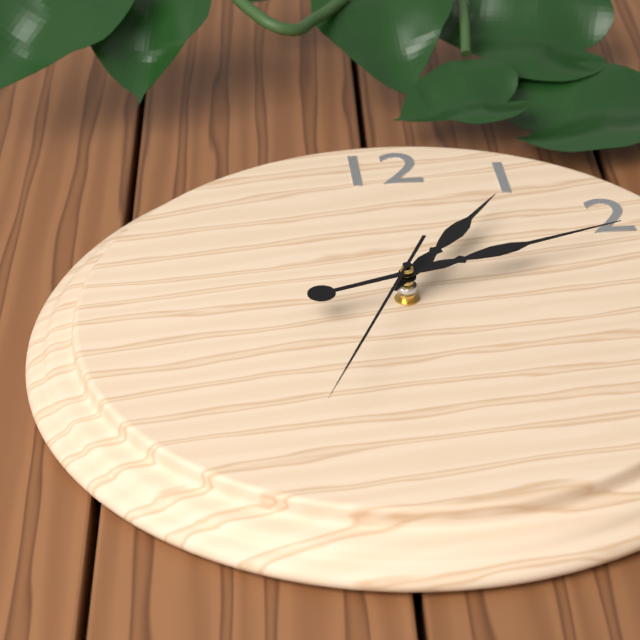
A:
h=1 m=12 s=34
